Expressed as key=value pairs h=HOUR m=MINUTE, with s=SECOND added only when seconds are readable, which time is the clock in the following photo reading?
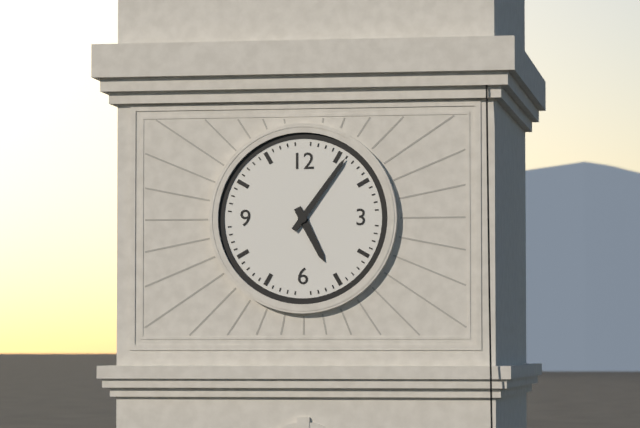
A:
h=5 m=6
